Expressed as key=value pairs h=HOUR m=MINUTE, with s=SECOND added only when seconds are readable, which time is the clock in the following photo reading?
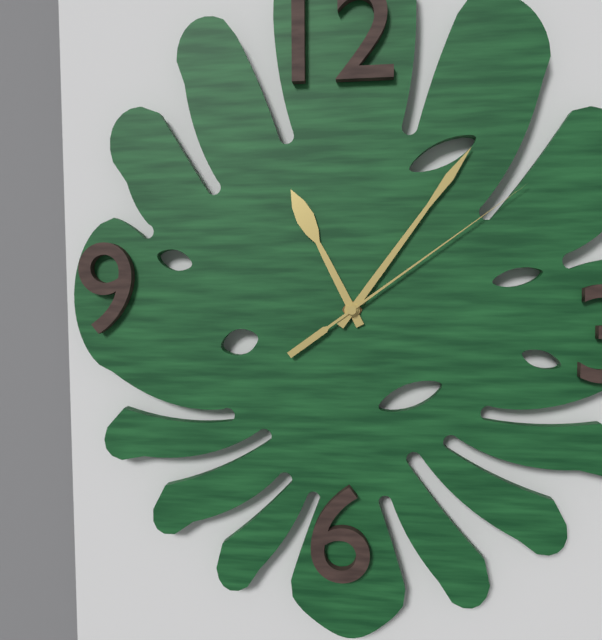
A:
h=11 m=6 s=9
